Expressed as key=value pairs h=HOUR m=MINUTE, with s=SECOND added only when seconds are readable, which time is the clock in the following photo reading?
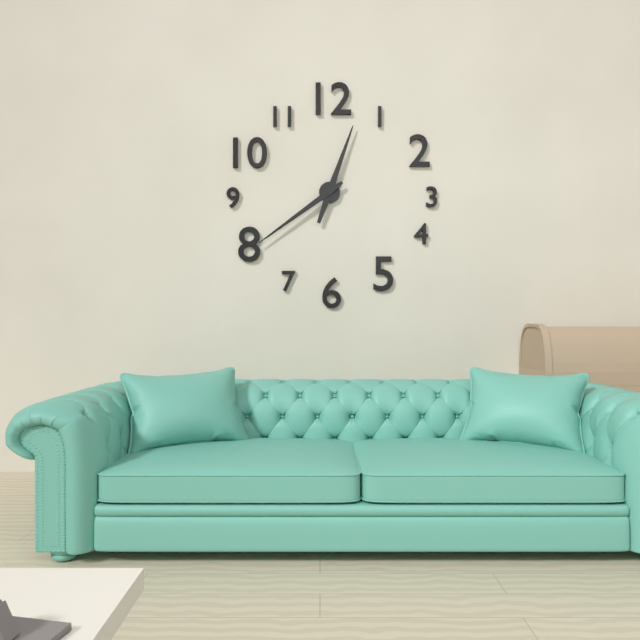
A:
h=12 m=39
